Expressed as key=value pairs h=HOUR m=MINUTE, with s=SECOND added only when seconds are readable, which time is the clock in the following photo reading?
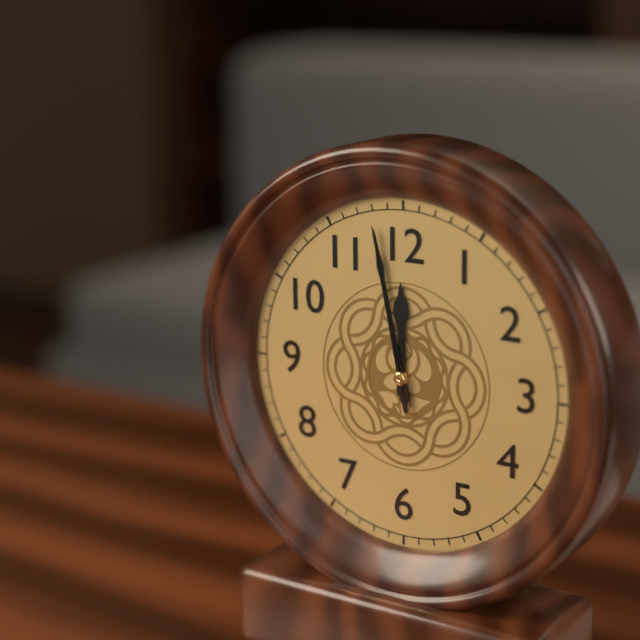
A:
h=11 m=58 s=58
